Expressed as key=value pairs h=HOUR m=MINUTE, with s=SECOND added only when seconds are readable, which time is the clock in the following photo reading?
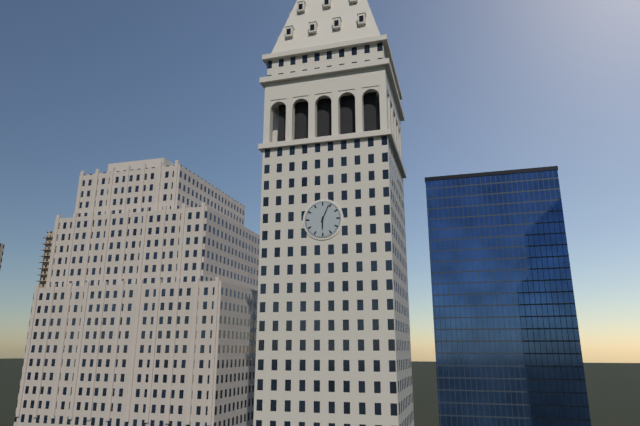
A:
h=6 m=4
